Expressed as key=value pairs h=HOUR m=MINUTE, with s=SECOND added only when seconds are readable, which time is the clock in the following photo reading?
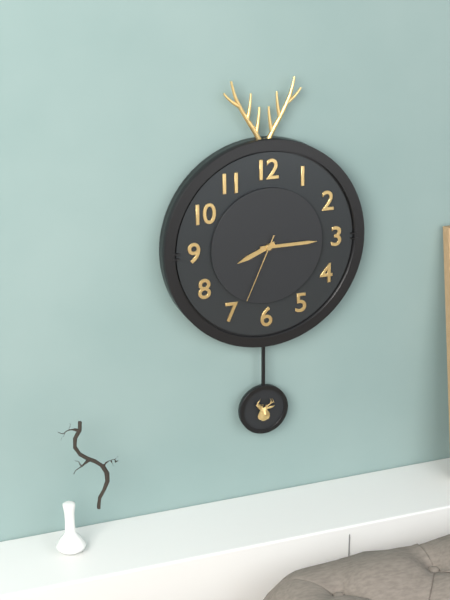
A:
h=8 m=15 s=34
